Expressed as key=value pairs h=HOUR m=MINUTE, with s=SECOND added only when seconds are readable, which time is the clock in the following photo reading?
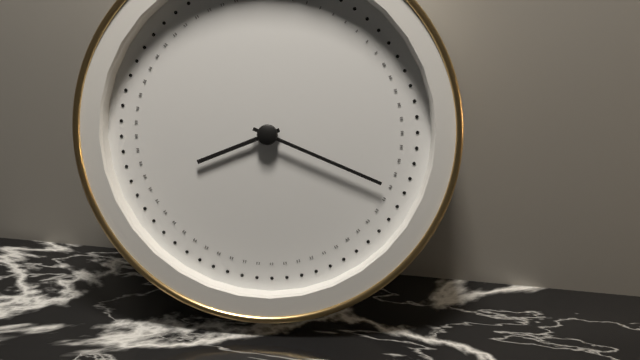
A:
h=8 m=19
